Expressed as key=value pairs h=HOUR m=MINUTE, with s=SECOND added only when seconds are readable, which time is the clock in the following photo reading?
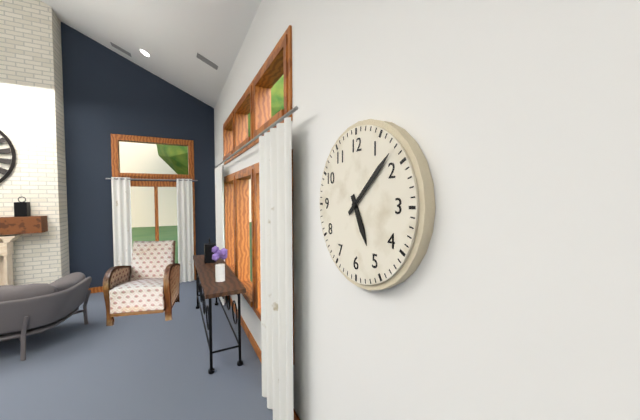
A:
h=5 m=8
